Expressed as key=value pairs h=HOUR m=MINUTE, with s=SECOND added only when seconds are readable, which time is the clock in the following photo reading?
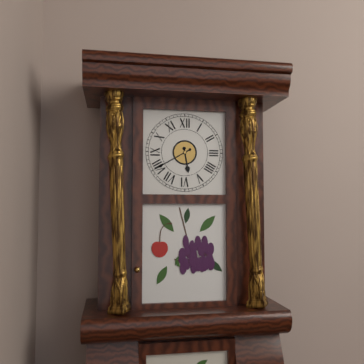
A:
h=5 m=40
